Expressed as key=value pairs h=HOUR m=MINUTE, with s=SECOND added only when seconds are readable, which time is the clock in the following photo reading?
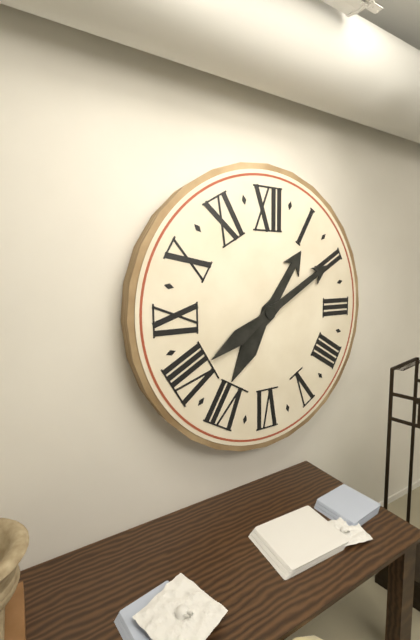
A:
h=1 m=10
